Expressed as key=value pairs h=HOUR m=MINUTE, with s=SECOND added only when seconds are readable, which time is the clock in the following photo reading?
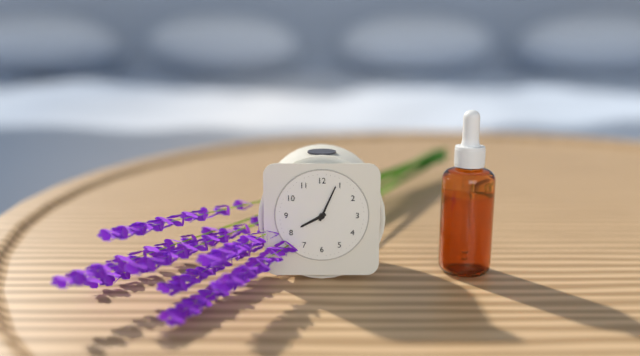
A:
h=8 m=4
